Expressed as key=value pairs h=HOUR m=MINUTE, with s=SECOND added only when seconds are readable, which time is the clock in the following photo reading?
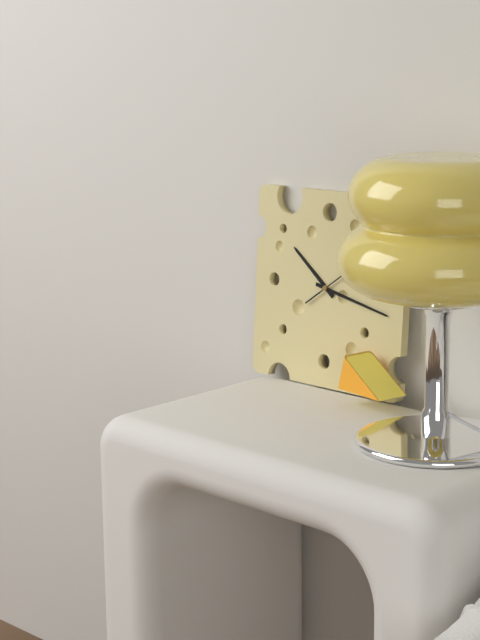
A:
h=10 m=17
